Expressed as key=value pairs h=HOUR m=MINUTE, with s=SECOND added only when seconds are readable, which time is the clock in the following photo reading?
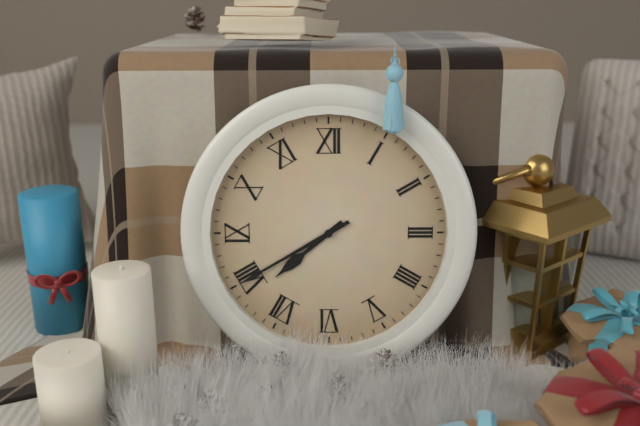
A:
h=7 m=40
